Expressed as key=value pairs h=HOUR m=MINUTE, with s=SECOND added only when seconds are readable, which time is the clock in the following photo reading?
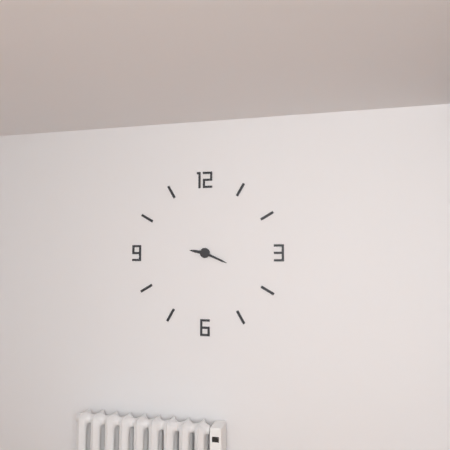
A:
h=9 m=19
